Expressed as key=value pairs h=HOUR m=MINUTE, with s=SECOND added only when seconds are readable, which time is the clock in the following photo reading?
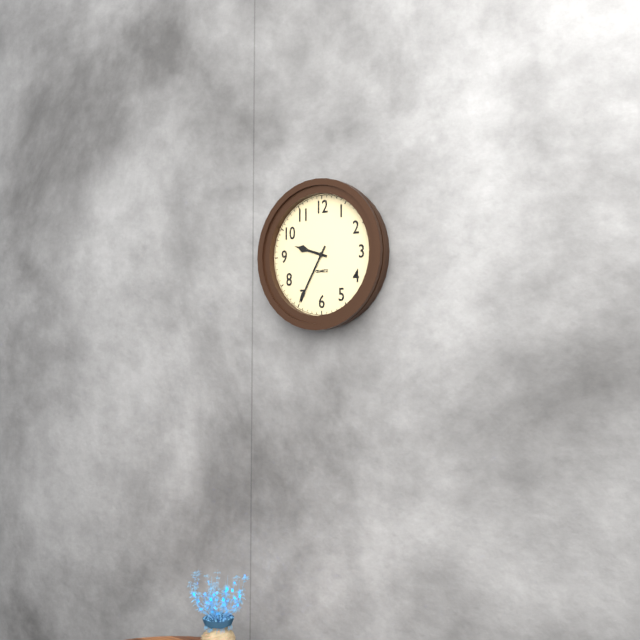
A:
h=9 m=35
